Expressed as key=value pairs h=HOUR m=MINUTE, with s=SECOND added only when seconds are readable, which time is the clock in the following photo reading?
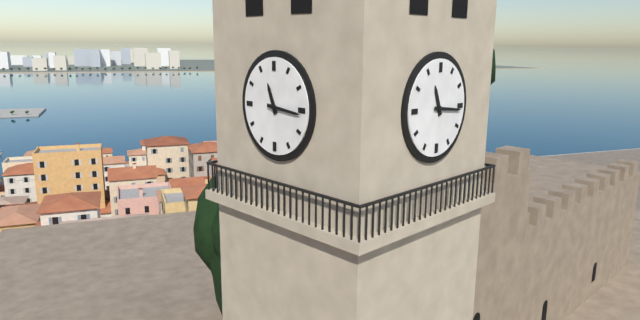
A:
h=11 m=16
